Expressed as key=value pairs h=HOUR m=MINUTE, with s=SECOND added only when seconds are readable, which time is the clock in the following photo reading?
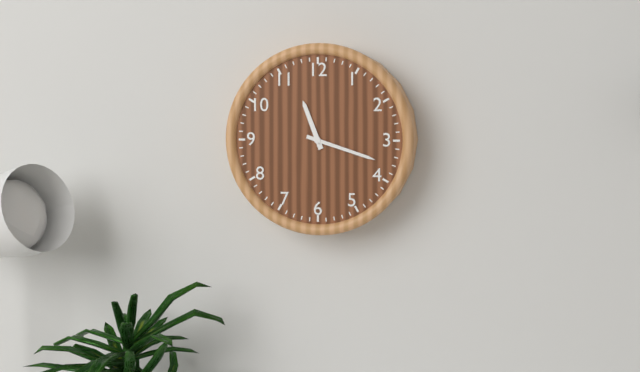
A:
h=11 m=18
